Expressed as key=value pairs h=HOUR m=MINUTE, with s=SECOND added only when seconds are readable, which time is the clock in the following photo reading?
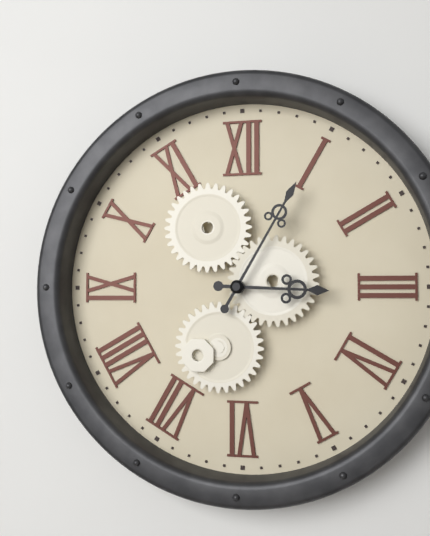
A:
h=3 m=5
